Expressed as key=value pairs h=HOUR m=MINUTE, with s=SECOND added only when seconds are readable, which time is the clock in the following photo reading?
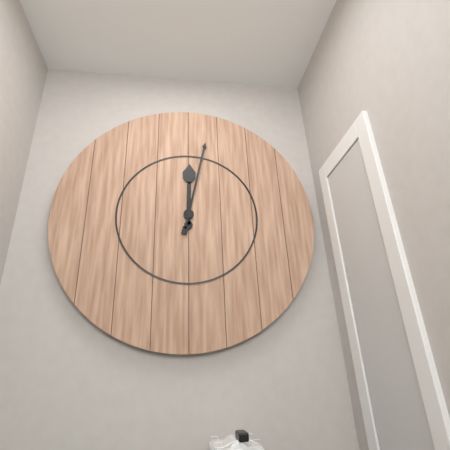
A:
h=12 m=2
